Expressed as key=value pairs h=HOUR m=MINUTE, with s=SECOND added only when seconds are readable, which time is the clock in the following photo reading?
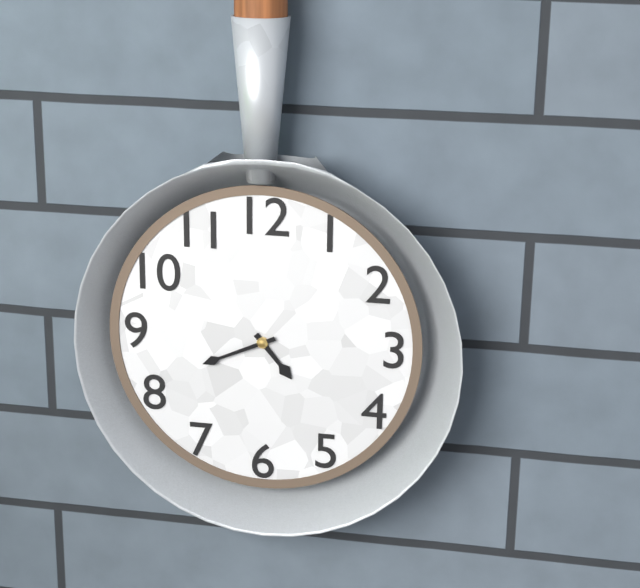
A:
h=4 m=41
